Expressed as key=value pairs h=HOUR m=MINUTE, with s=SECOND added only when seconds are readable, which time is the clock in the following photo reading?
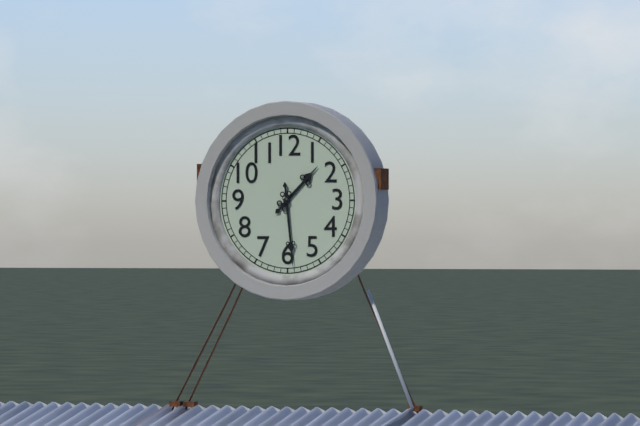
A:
h=1 m=29
